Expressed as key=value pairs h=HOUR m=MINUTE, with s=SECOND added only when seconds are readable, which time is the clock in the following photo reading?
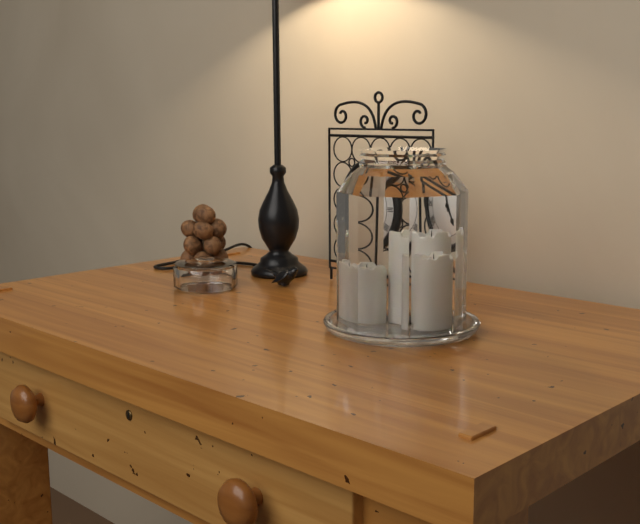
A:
h=4 m=58
